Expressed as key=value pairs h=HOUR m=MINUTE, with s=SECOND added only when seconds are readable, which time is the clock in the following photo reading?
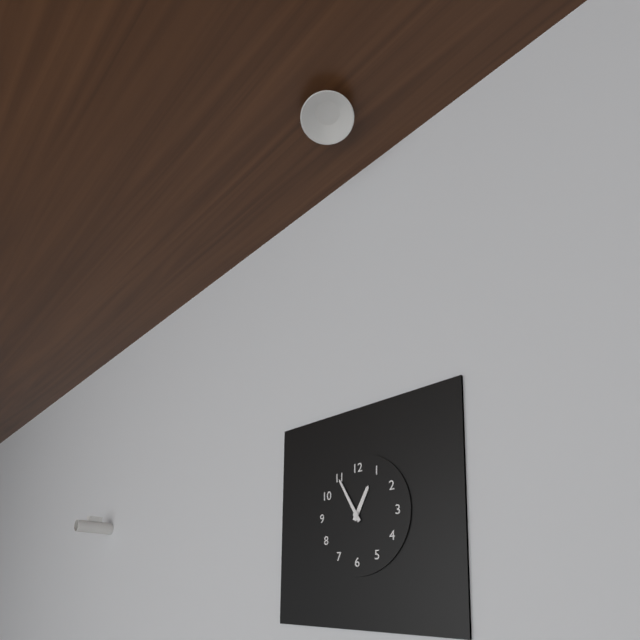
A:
h=12 m=55
